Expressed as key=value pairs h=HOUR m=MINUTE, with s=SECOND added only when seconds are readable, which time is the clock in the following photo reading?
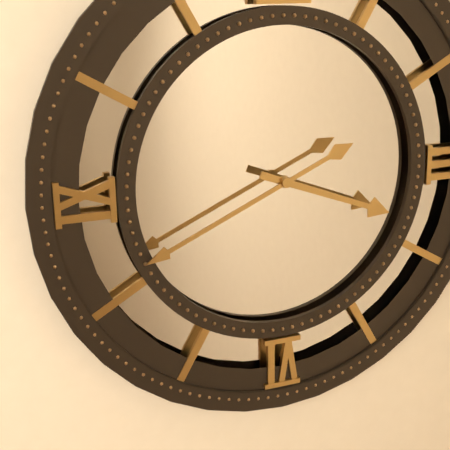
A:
h=3 m=41
